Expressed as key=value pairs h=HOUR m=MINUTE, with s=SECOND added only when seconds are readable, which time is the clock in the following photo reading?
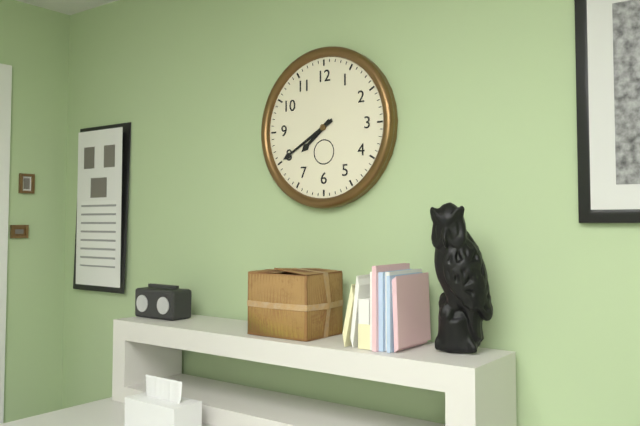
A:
h=7 m=40
